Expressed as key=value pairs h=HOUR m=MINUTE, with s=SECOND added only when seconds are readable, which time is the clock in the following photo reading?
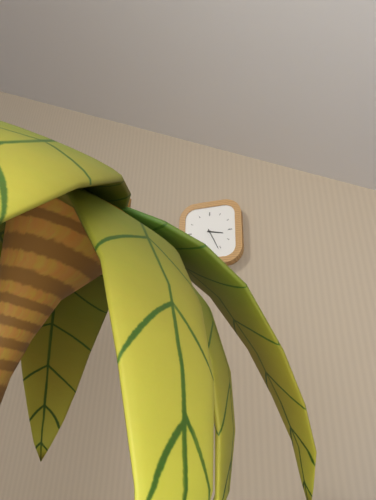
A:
h=3 m=26
